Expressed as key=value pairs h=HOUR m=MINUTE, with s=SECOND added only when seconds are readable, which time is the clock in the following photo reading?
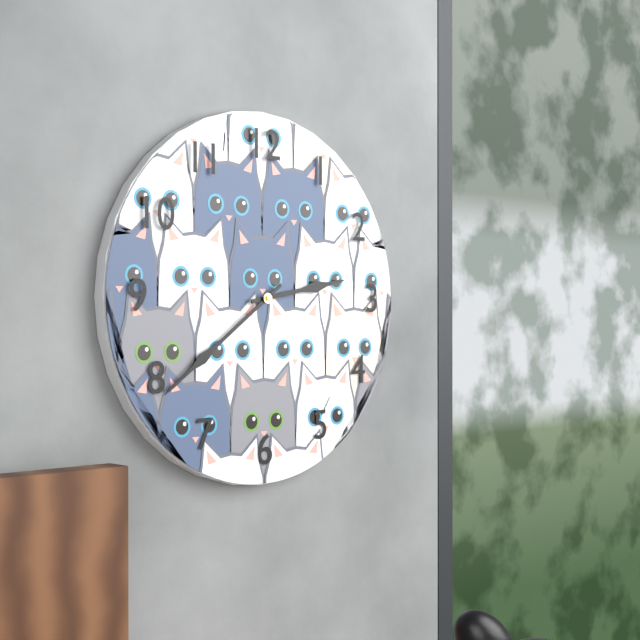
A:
h=2 m=39
